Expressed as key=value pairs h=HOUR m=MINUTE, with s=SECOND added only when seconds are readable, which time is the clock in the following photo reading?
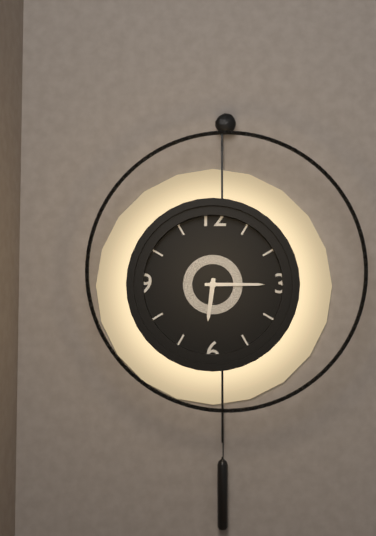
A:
h=6 m=15
